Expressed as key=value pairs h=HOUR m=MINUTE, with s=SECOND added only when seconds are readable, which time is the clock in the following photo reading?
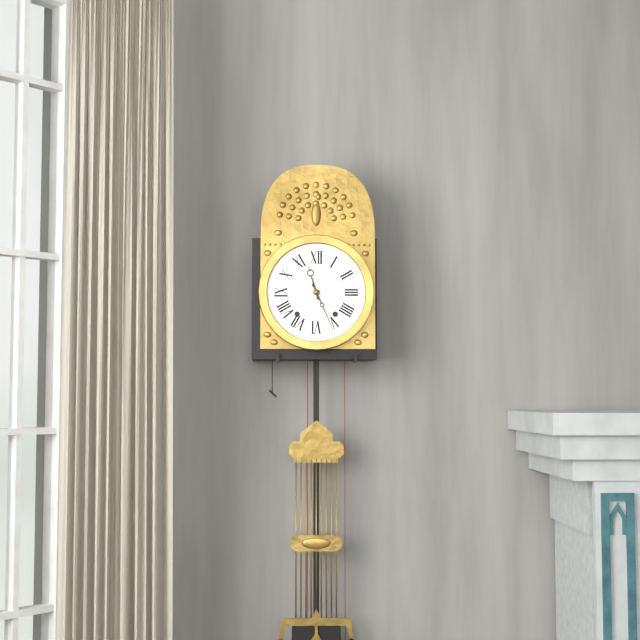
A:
h=11 m=26
